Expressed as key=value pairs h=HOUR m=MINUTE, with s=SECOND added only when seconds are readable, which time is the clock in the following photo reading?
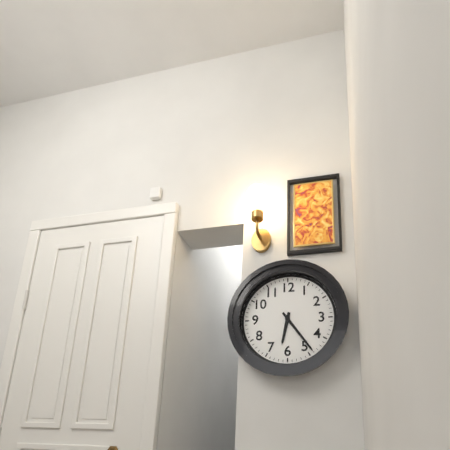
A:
h=6 m=24
